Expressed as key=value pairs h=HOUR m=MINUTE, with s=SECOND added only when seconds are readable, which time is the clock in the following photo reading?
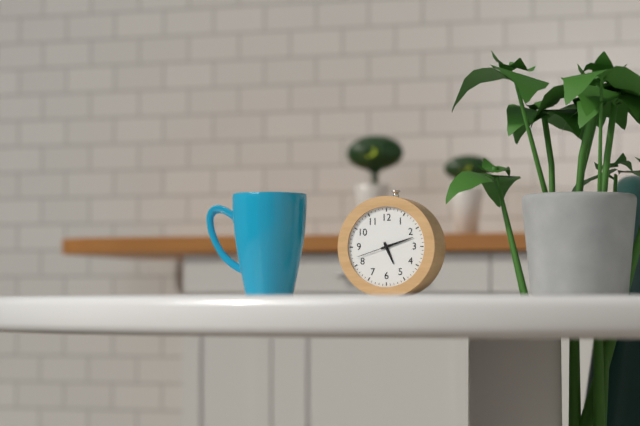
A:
h=5 m=12
